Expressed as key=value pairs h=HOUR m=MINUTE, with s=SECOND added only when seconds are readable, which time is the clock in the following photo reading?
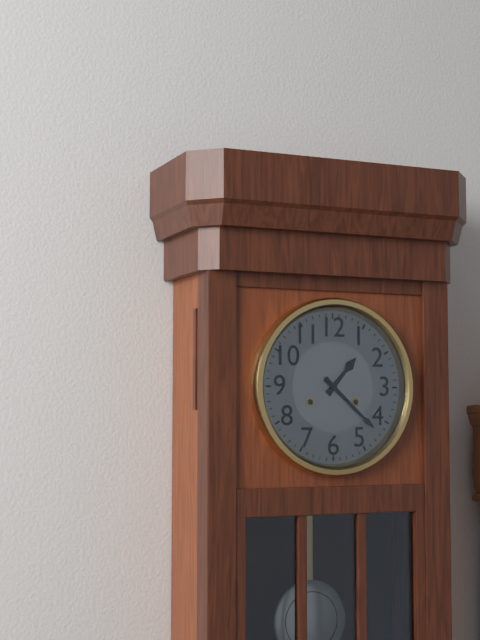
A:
h=1 m=22
